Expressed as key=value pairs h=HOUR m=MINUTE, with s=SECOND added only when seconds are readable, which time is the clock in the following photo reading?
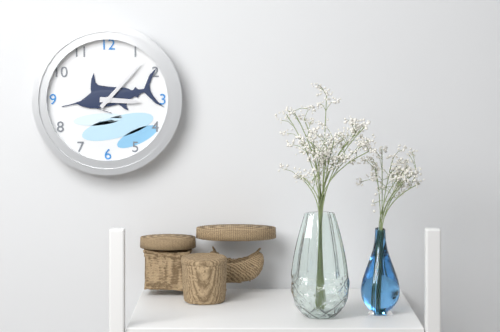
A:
h=3 m=7
